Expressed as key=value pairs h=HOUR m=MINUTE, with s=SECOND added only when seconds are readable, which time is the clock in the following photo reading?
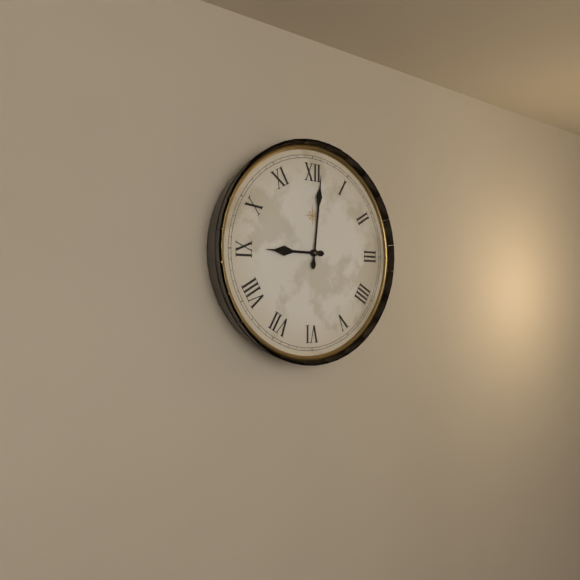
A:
h=9 m=1
